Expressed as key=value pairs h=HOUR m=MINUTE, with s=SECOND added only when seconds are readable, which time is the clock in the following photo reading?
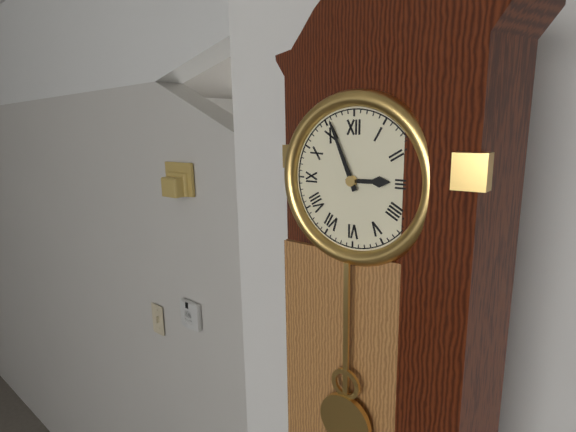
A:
h=2 m=56
